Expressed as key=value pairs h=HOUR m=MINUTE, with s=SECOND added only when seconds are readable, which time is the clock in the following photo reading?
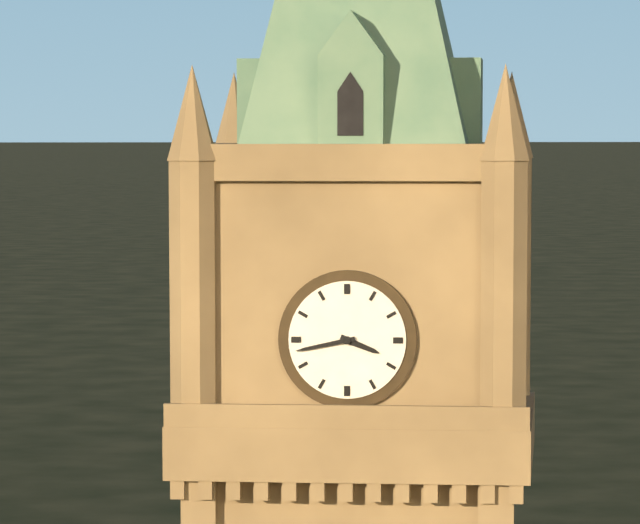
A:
h=3 m=43
